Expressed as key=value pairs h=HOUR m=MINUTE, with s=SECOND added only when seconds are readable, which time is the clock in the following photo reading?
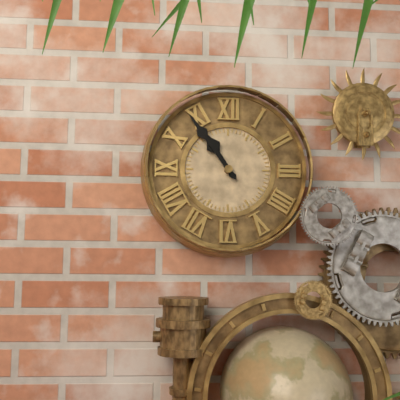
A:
h=10 m=54
